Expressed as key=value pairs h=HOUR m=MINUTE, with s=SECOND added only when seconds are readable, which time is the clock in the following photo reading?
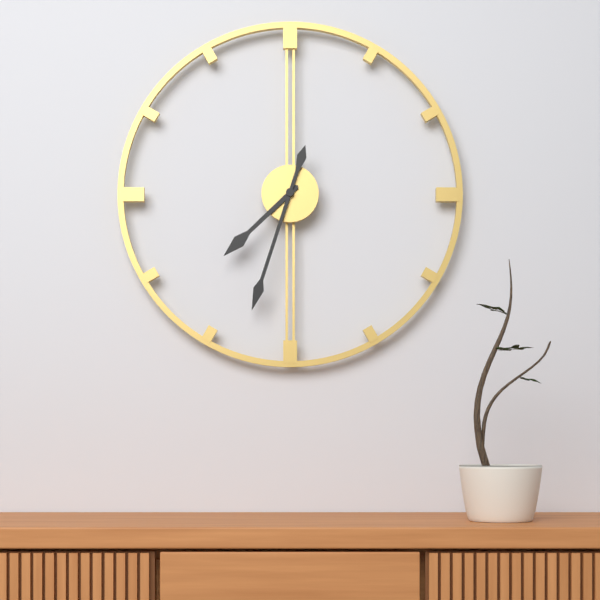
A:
h=7 m=33
